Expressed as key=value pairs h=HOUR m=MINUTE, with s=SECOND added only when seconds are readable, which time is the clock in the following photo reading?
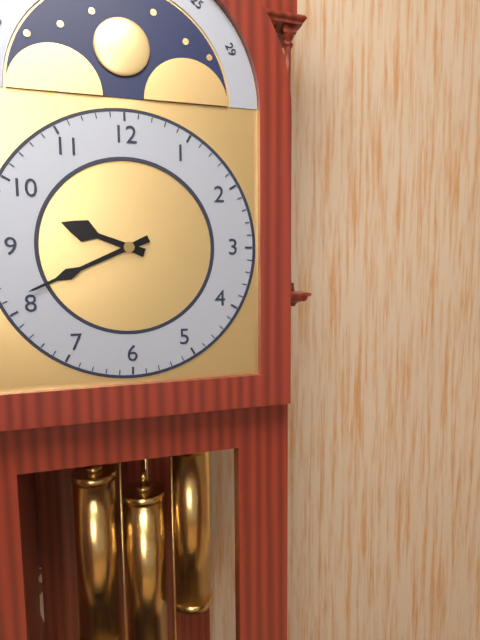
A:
h=9 m=41
